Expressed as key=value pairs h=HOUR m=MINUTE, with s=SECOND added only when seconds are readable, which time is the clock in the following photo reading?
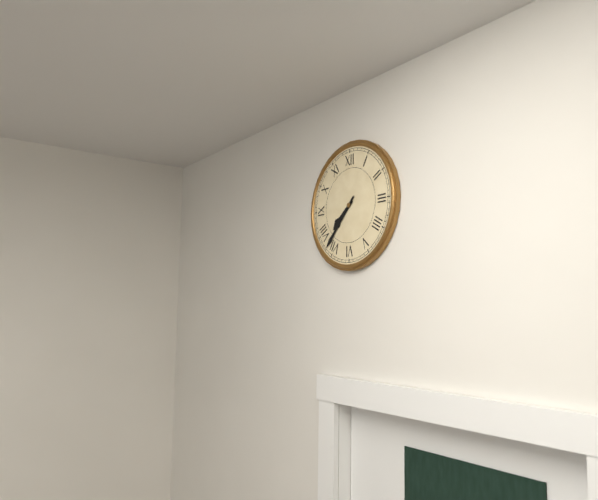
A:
h=7 m=37
